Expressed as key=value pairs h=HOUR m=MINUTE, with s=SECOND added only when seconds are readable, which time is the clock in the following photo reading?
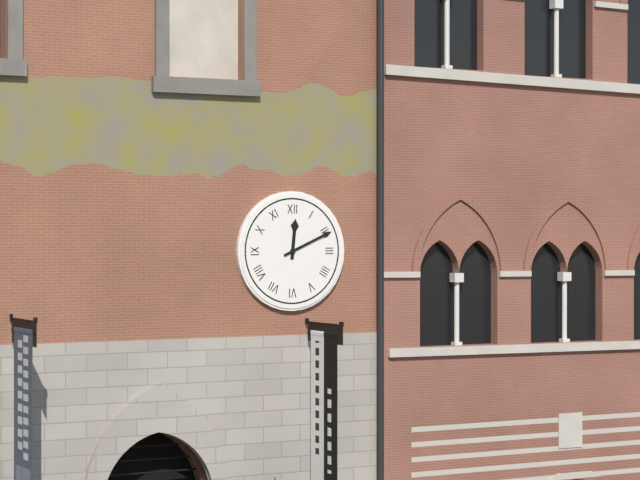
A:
h=12 m=11
